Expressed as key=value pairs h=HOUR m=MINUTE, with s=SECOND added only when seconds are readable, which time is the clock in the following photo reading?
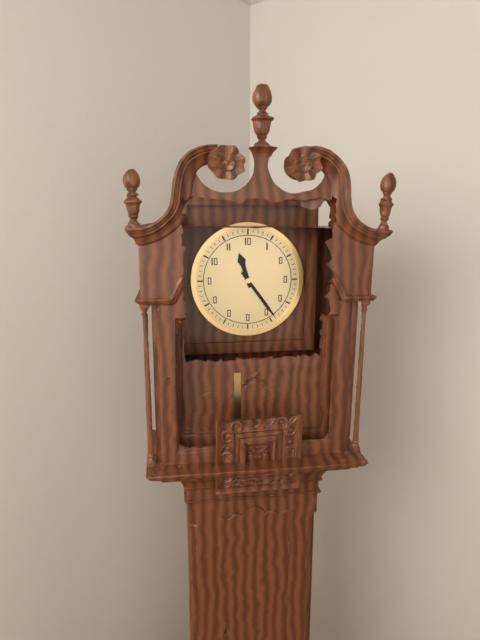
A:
h=11 m=24
